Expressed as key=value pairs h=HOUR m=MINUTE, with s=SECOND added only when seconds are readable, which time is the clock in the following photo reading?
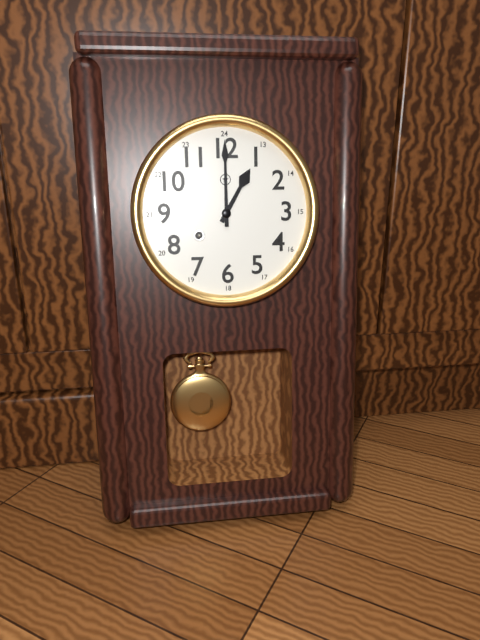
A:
h=1 m=0
